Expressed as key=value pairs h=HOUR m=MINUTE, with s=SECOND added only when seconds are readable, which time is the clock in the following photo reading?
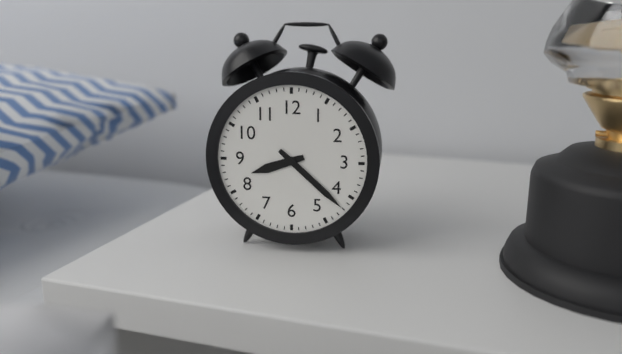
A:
h=8 m=22
